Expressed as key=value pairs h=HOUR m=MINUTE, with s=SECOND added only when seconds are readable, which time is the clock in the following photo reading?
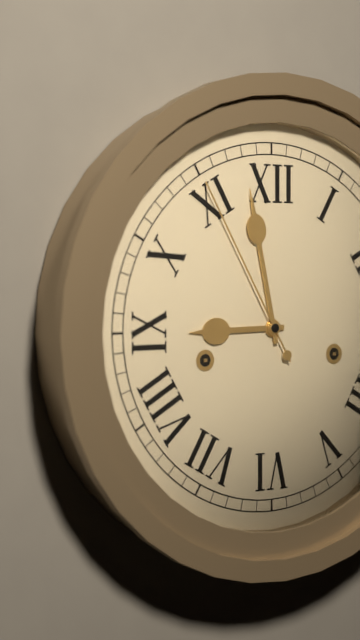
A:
h=8 m=58 s=55
